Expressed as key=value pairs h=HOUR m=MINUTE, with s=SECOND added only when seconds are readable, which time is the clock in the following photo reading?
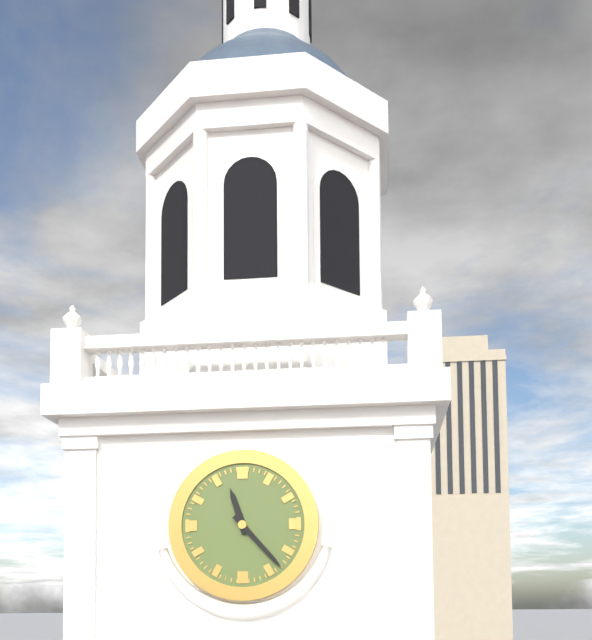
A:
h=11 m=23
